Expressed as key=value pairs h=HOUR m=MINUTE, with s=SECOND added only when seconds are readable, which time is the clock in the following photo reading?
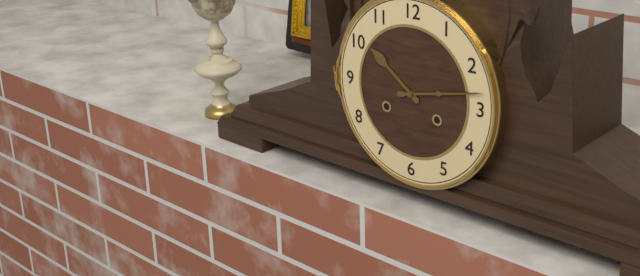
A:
h=10 m=13
